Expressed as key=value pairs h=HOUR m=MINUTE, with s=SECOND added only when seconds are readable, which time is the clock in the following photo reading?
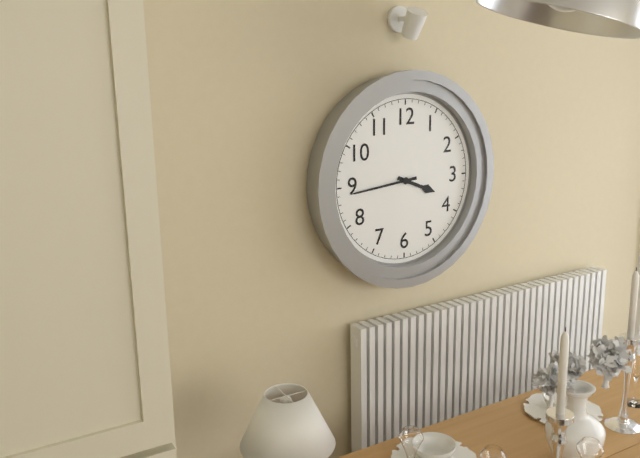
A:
h=3 m=44
